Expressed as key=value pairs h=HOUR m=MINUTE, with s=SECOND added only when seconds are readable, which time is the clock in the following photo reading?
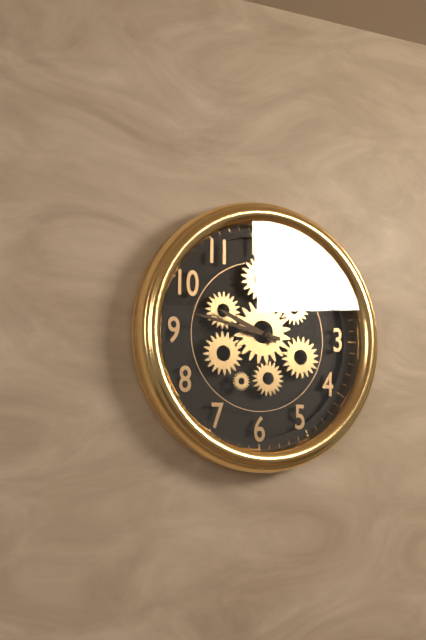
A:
h=9 m=47
